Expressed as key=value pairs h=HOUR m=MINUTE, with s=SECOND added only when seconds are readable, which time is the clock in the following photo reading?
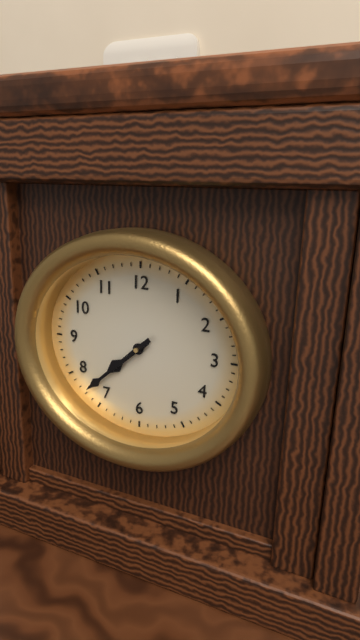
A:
h=7 m=38
